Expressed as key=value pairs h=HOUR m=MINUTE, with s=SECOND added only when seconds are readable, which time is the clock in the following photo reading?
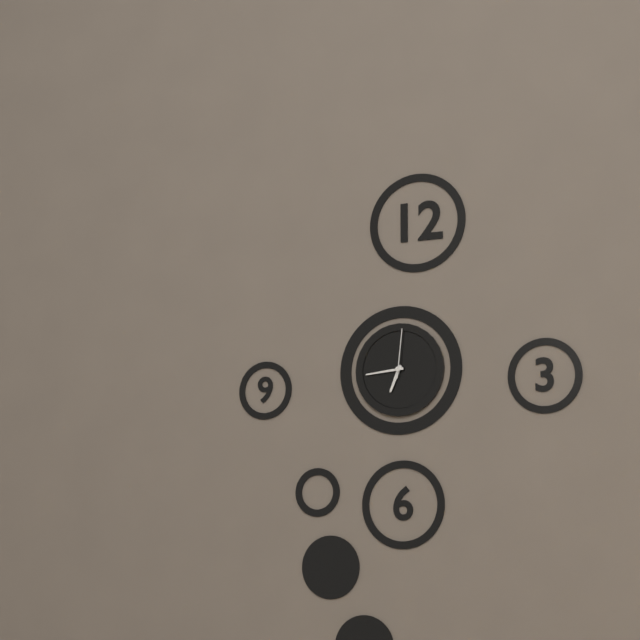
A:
h=6 m=44 s=1
